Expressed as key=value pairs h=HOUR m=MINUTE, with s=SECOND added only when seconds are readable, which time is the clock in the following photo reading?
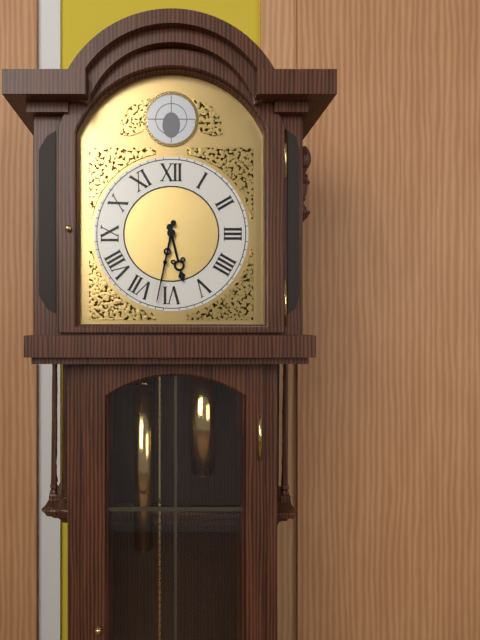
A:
h=5 m=32
